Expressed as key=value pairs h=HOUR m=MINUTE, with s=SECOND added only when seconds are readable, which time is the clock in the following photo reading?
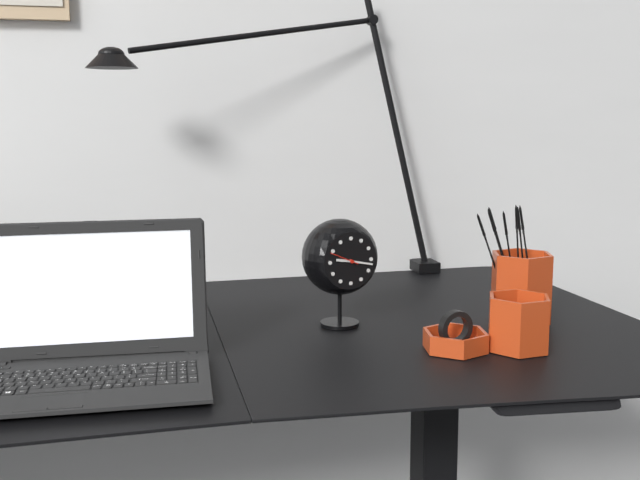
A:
h=9 m=17
